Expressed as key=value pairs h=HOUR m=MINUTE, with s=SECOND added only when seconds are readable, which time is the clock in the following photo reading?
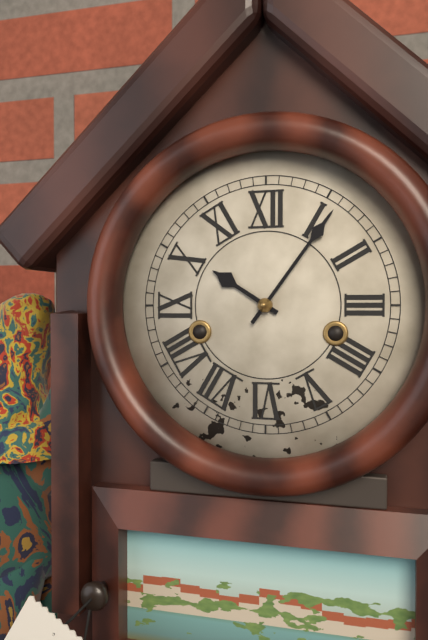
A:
h=10 m=6
